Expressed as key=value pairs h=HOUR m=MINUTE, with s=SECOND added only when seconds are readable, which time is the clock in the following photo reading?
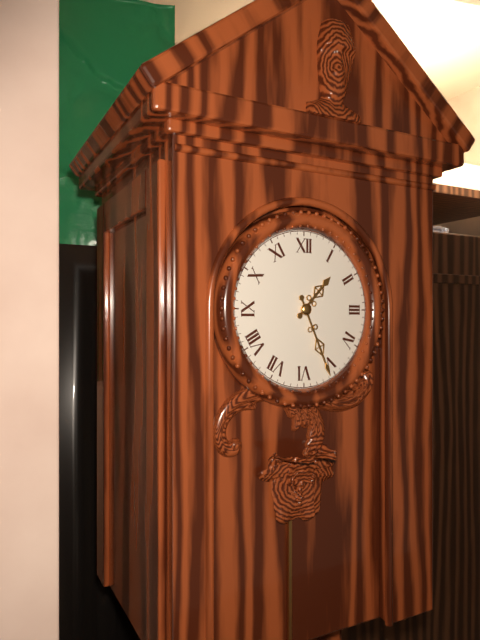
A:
h=1 m=26
